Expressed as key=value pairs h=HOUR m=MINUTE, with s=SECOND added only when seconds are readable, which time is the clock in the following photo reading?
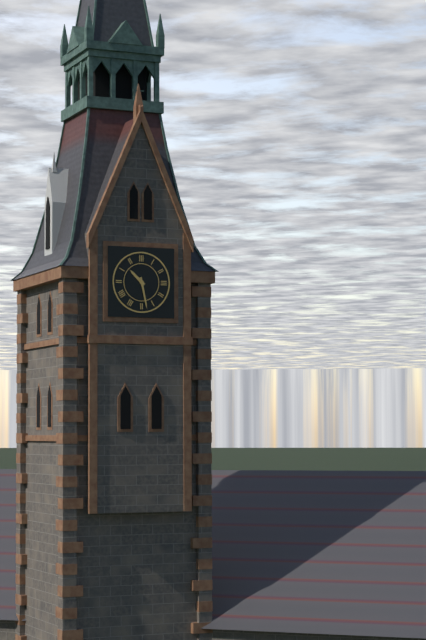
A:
h=10 m=28
